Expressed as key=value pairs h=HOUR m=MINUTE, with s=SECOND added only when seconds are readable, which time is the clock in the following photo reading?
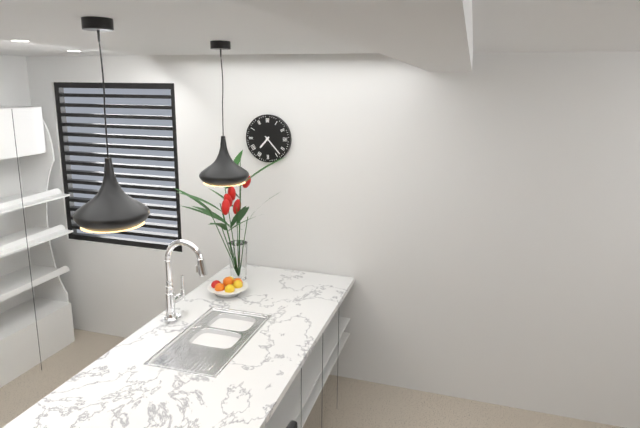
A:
h=7 m=23
